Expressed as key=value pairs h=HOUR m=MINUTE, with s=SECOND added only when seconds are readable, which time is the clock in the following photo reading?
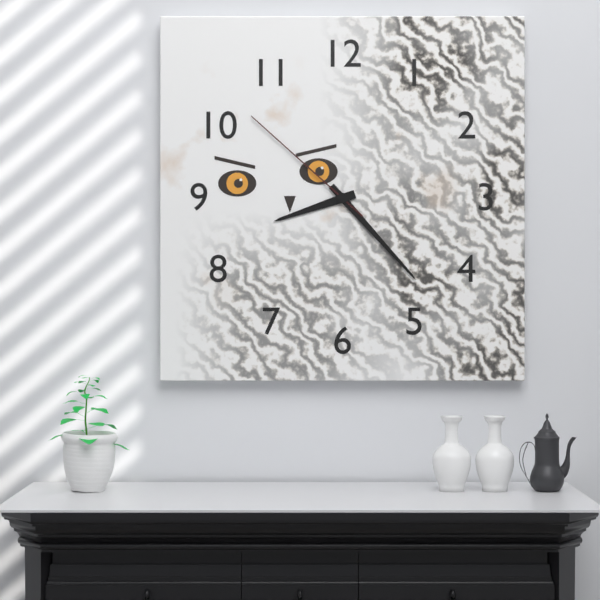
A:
h=8 m=23 s=52
